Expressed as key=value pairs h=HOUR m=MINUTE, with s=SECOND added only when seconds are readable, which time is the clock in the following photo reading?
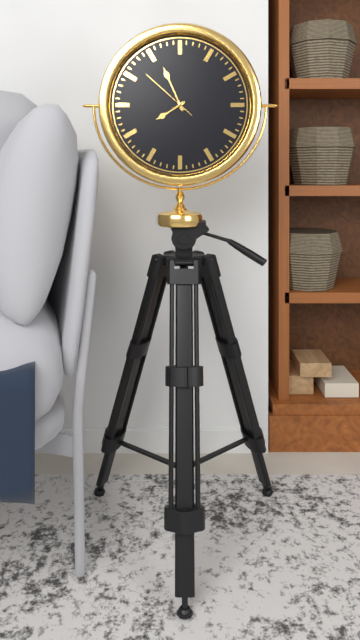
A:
h=7 m=56 s=52
